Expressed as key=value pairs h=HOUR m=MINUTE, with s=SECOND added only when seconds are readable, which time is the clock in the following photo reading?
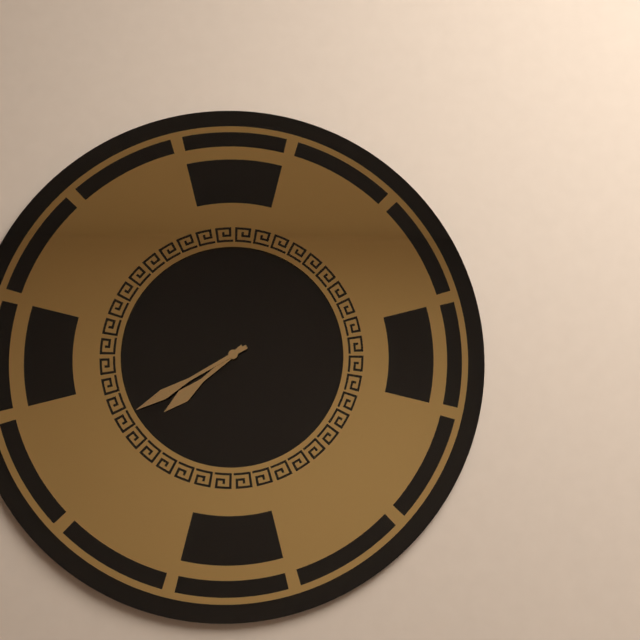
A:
h=7 m=40
